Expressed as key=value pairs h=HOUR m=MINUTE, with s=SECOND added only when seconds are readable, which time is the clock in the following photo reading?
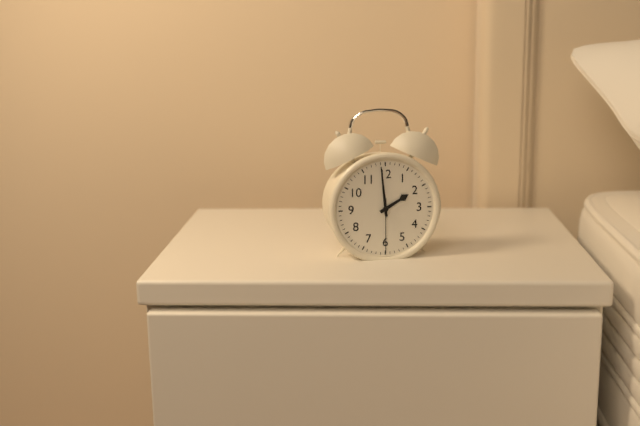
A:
h=1 m=59 s=30
